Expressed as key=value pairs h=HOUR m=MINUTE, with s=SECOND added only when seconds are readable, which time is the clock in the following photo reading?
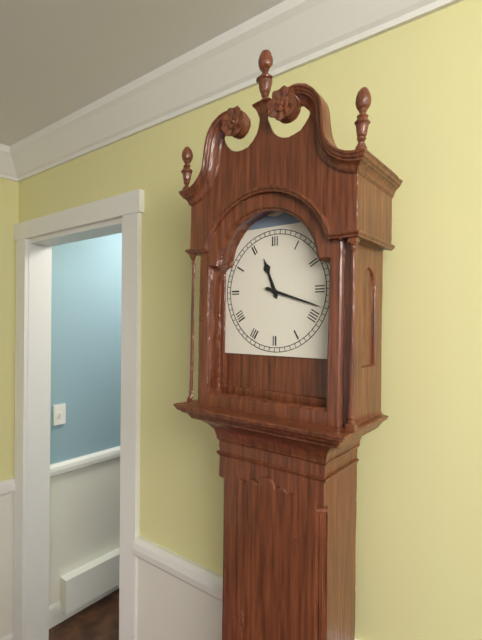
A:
h=11 m=18
